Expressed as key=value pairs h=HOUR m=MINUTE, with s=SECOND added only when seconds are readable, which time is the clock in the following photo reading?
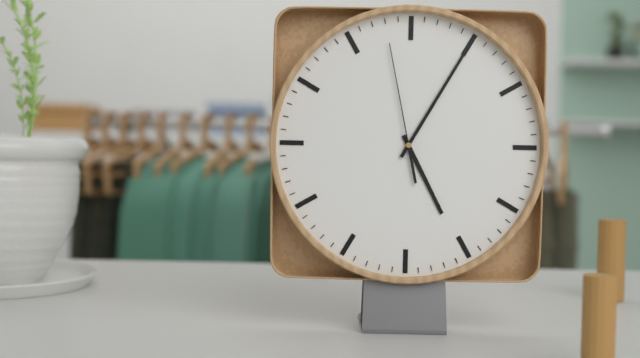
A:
h=5 m=5 s=58
